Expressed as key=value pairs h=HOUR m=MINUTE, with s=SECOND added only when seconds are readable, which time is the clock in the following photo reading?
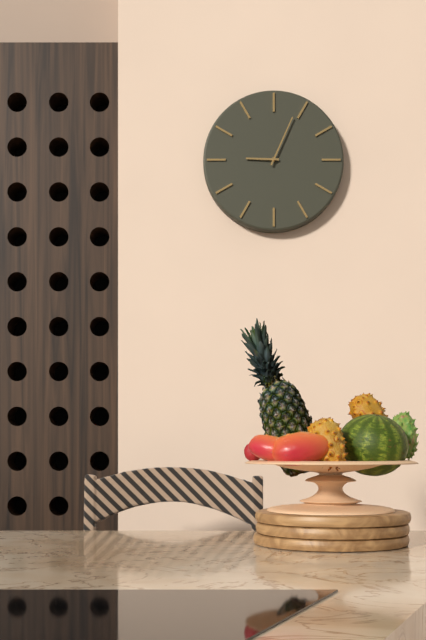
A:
h=9 m=4
